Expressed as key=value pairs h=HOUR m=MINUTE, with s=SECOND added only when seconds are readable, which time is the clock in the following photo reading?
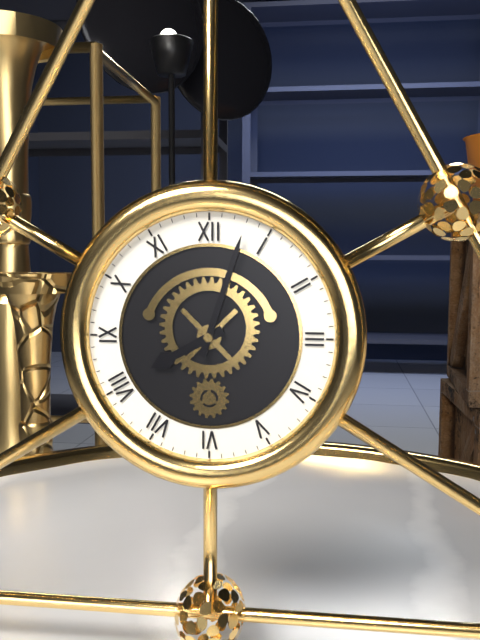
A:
h=8 m=3
